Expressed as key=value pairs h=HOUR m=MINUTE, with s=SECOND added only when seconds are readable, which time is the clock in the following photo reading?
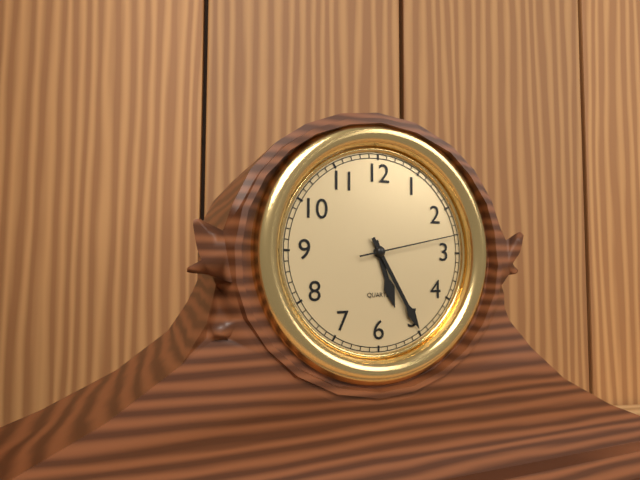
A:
h=5 m=25 s=13
